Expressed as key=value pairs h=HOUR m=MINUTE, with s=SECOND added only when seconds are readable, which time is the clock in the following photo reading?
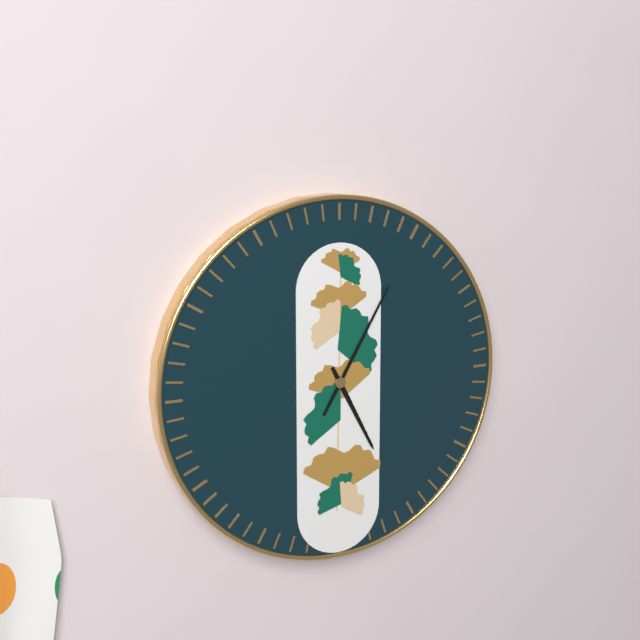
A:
h=5 m=5
